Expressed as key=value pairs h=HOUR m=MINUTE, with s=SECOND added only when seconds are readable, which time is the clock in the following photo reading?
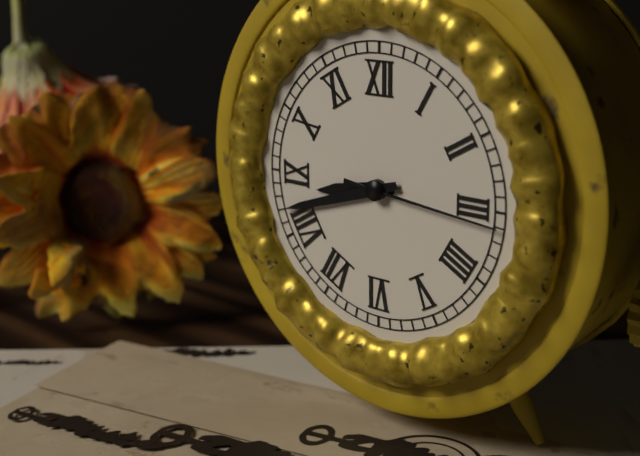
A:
h=8 m=42 s=16
